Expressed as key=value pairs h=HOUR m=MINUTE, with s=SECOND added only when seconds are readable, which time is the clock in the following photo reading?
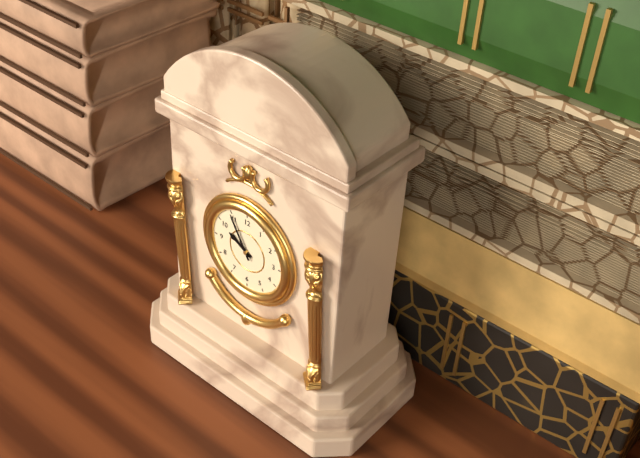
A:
h=9 m=55
